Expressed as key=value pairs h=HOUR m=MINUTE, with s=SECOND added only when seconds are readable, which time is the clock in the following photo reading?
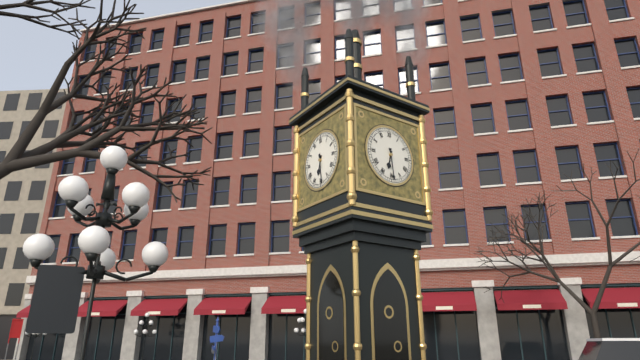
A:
h=6 m=29
